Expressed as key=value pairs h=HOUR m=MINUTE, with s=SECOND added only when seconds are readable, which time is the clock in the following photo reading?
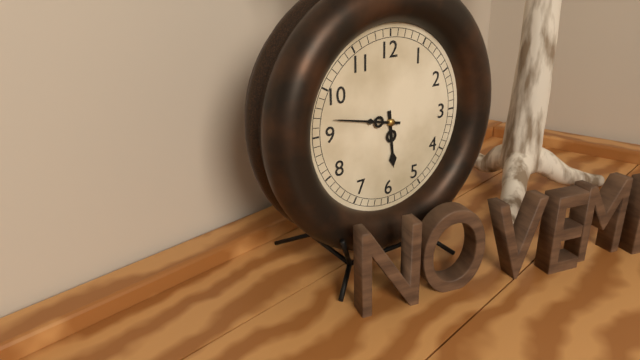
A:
h=5 m=47
